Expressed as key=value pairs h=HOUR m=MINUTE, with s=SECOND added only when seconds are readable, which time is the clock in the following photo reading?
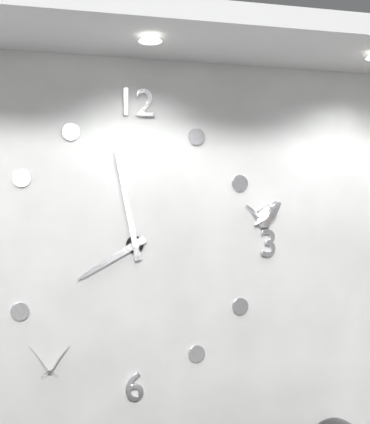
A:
h=7 m=58
